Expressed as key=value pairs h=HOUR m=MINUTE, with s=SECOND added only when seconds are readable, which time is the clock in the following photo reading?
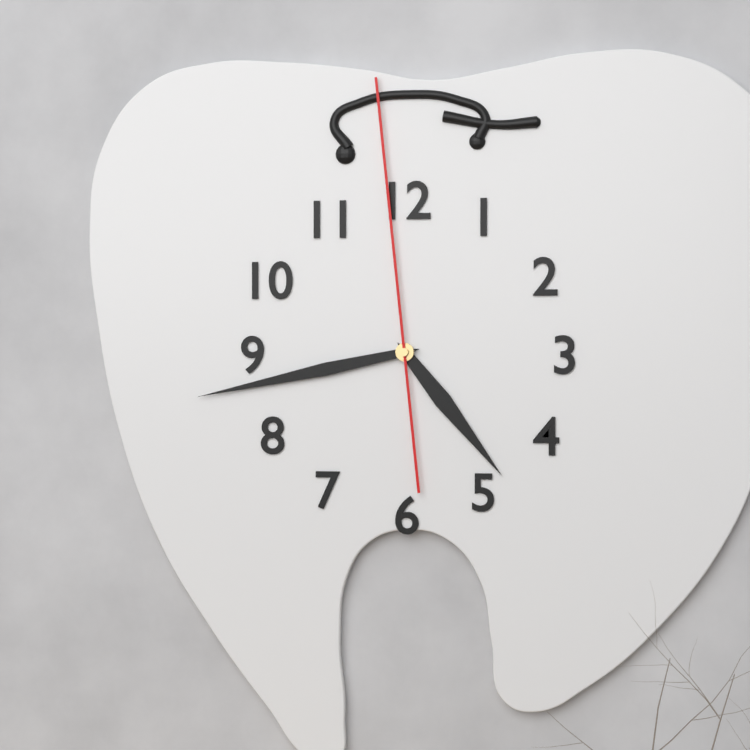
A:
h=4 m=43 s=59
